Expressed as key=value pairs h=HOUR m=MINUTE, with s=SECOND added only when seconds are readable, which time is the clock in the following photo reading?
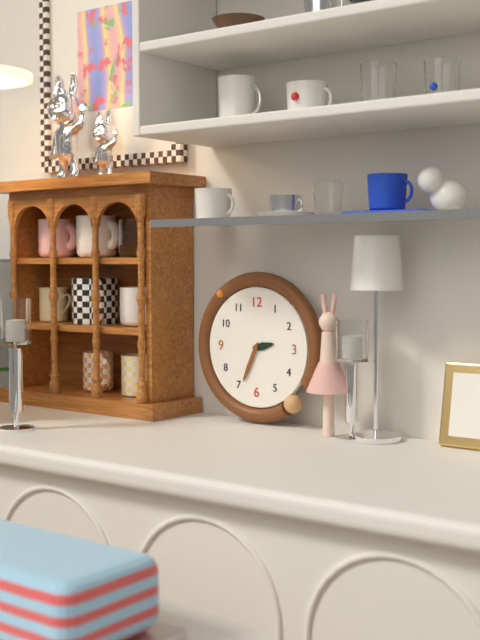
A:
h=2 m=34
